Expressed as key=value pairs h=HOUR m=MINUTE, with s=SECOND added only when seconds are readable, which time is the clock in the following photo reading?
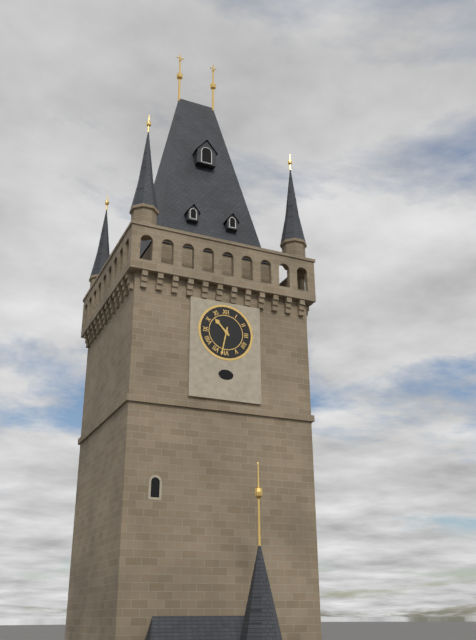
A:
h=10 m=32
